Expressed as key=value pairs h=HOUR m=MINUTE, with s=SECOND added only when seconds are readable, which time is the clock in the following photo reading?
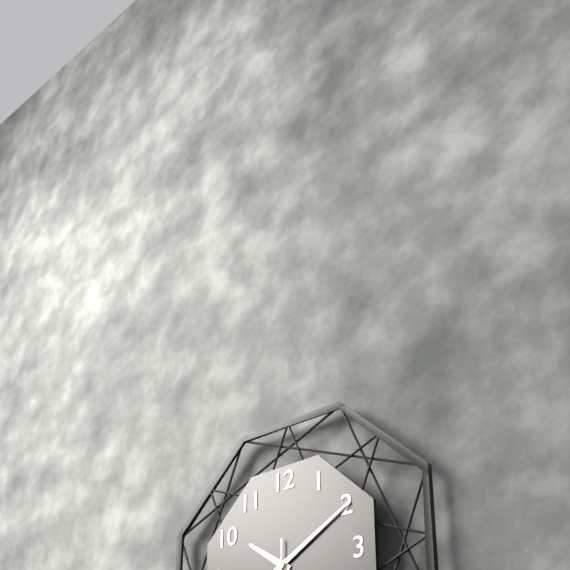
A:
h=10 m=10
